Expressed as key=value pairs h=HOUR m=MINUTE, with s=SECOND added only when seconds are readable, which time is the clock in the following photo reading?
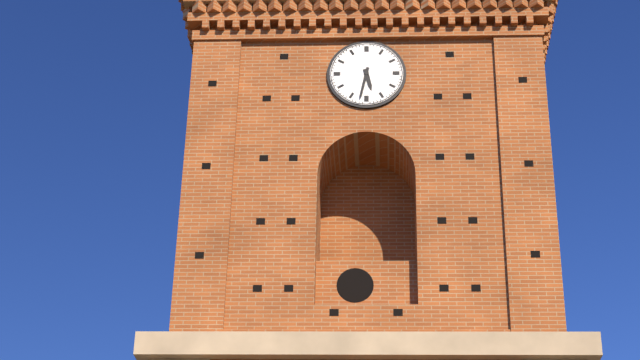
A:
h=5 m=32
